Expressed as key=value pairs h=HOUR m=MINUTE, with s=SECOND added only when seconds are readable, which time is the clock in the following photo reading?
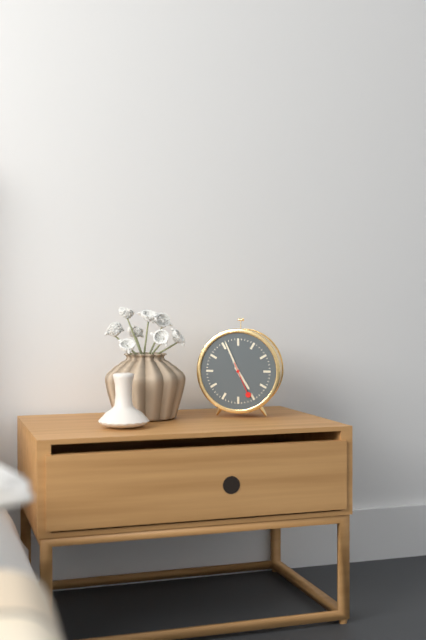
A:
h=4 m=56
